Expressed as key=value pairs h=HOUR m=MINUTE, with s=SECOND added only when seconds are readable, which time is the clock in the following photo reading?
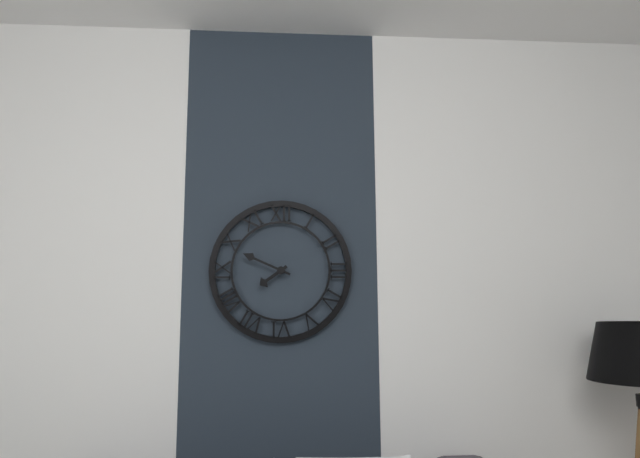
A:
h=7 m=49
